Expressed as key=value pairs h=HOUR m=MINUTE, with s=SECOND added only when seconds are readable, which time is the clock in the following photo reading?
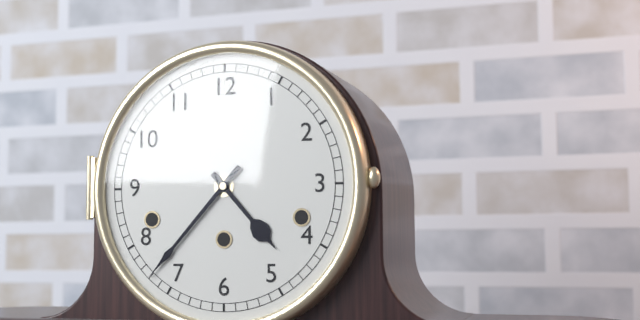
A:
h=4 m=37
